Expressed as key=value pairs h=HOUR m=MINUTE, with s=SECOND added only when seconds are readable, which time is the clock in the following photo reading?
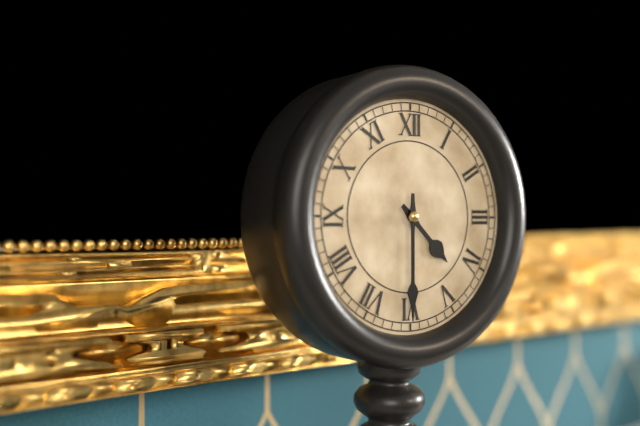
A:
h=4 m=30
